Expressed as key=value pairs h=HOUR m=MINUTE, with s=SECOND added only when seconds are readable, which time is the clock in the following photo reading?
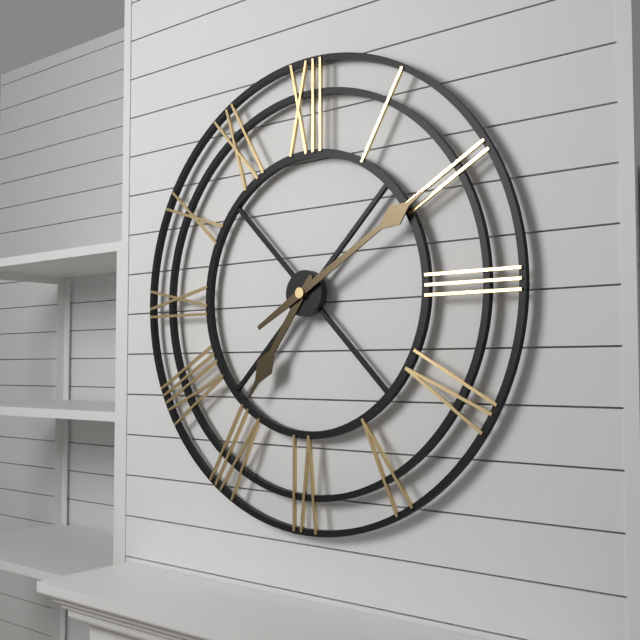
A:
h=7 m=10
